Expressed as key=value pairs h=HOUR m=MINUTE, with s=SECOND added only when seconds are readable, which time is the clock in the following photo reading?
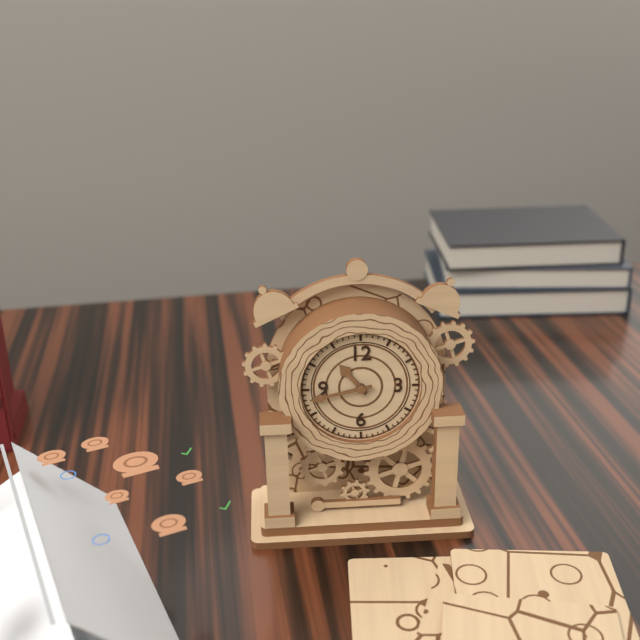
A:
h=10 m=43
